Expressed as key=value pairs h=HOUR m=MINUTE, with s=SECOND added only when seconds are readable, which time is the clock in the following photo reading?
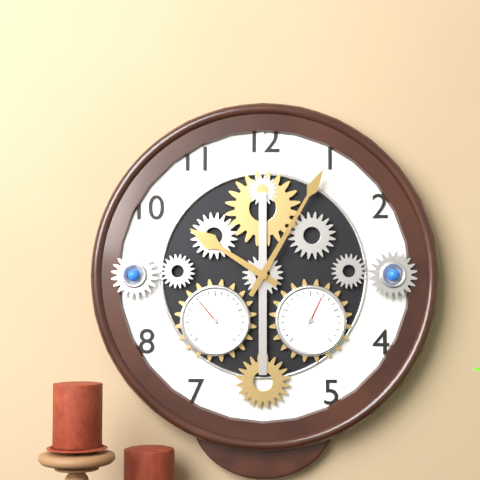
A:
h=10 m=5
